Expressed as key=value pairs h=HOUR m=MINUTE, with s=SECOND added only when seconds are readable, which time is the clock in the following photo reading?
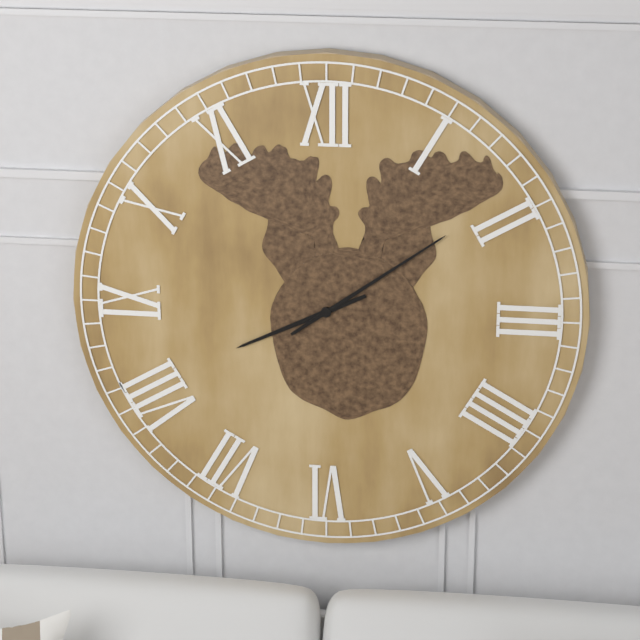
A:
h=8 m=9
